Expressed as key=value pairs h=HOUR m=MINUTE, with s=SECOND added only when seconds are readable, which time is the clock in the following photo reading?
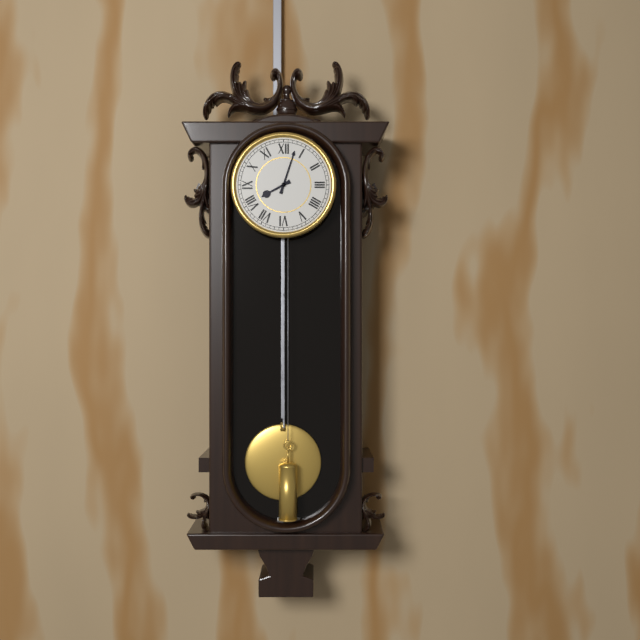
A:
h=8 m=3
